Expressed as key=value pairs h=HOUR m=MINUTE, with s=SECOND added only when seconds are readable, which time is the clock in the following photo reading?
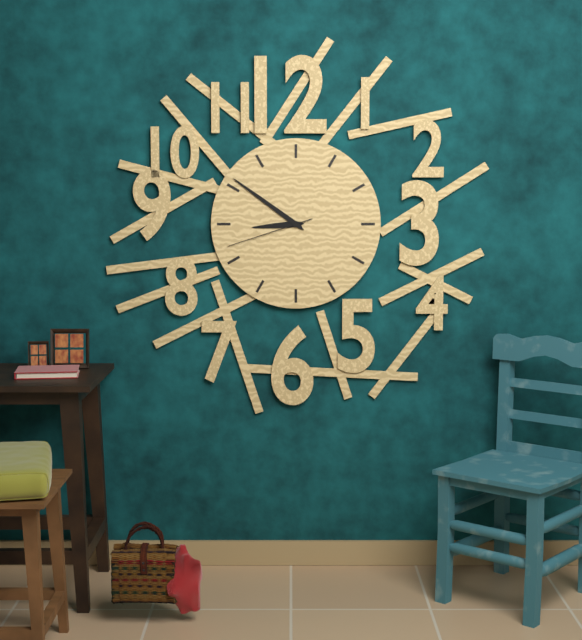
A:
h=8 m=51 s=42
